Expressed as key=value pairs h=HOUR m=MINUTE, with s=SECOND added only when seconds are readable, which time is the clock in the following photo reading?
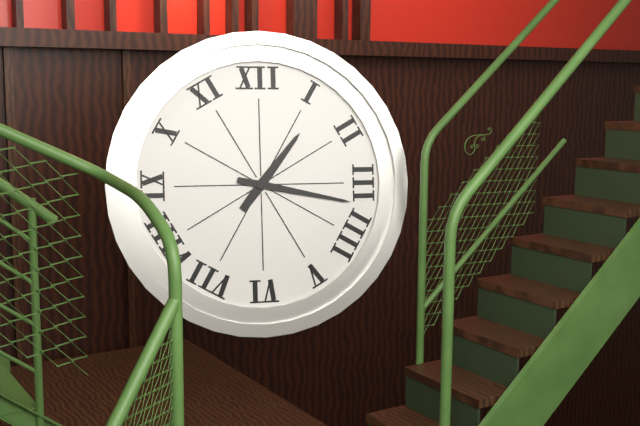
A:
h=1 m=17
